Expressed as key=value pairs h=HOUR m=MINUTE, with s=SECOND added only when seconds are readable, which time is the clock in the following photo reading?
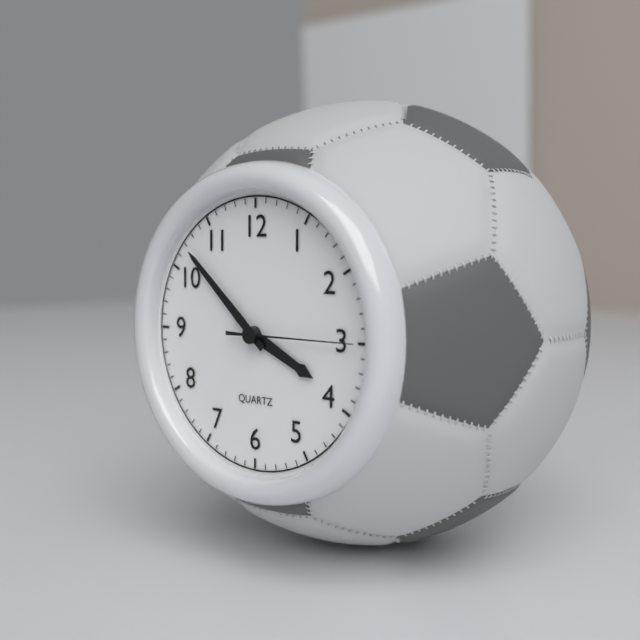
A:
h=3 m=52 s=15
